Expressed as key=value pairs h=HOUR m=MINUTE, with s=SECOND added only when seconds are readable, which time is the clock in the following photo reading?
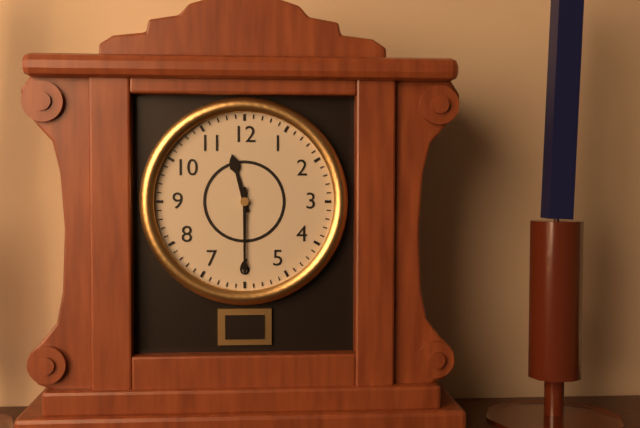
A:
h=11 m=30
